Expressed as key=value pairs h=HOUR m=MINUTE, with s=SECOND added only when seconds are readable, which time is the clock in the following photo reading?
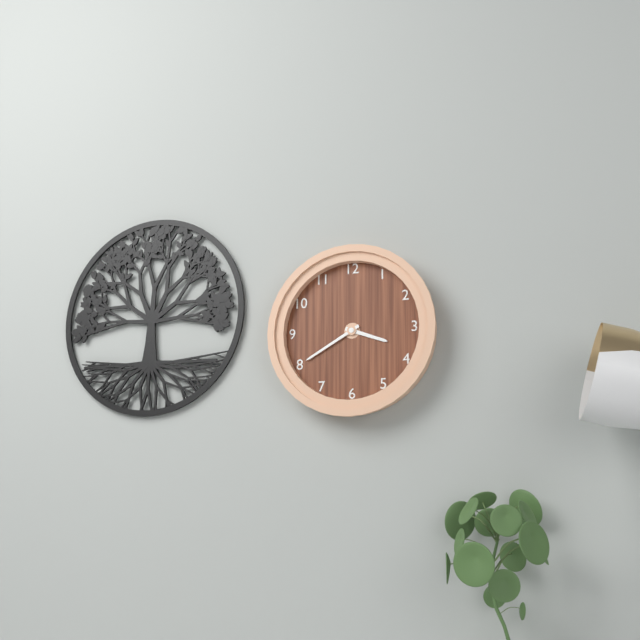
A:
h=3 m=40
